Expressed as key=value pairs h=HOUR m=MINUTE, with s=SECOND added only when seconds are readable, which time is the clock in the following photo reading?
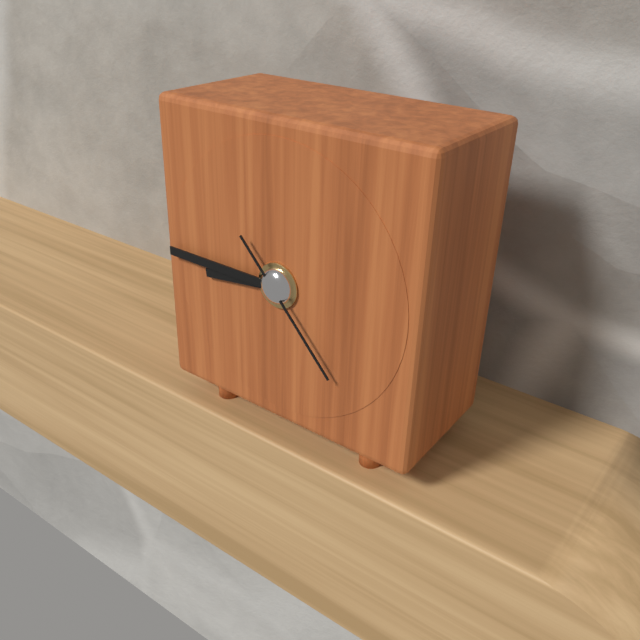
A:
h=8 m=45 s=23
